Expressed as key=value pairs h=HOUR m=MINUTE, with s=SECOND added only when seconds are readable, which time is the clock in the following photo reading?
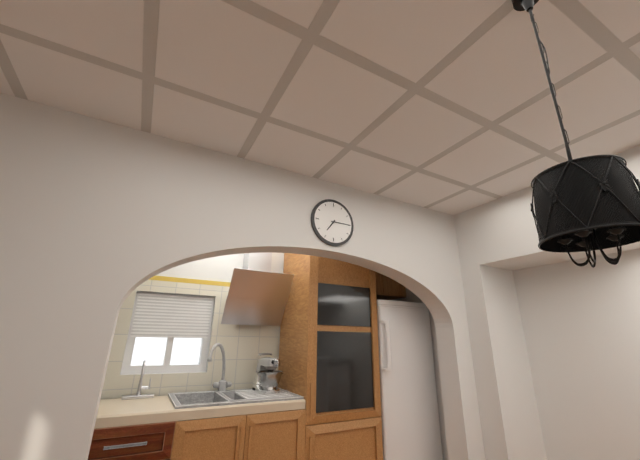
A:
h=7 m=15
